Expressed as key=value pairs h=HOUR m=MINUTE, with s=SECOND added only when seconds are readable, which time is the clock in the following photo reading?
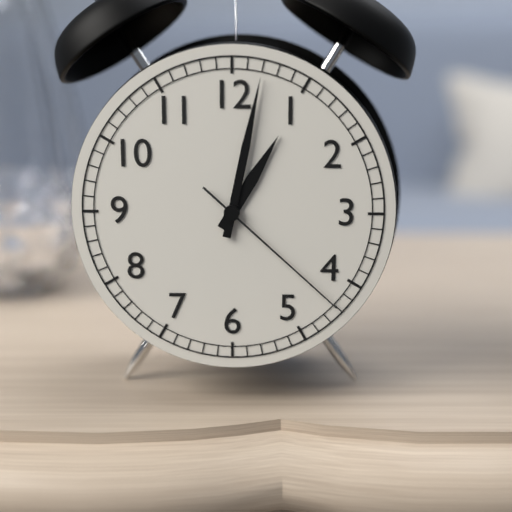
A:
h=1 m=2 s=22
